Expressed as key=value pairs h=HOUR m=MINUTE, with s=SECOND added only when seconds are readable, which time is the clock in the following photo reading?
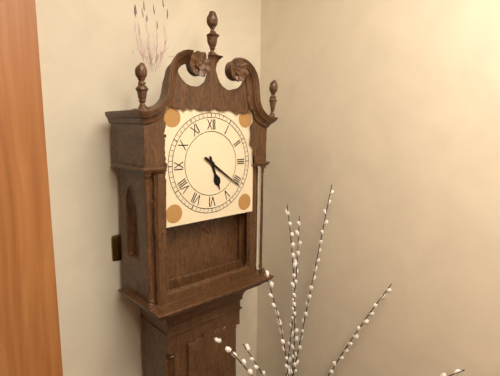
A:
h=5 m=21
